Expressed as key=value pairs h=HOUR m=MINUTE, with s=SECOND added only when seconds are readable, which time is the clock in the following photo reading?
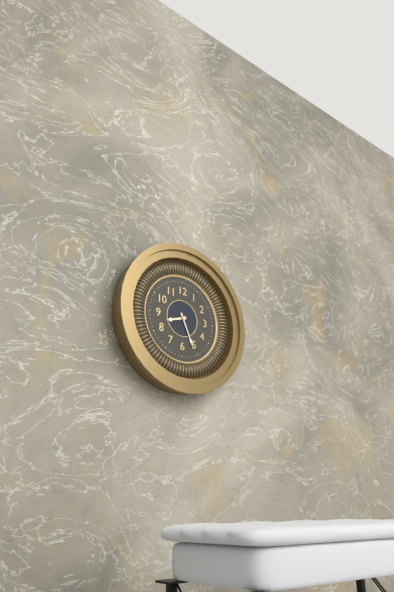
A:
h=8 m=26
